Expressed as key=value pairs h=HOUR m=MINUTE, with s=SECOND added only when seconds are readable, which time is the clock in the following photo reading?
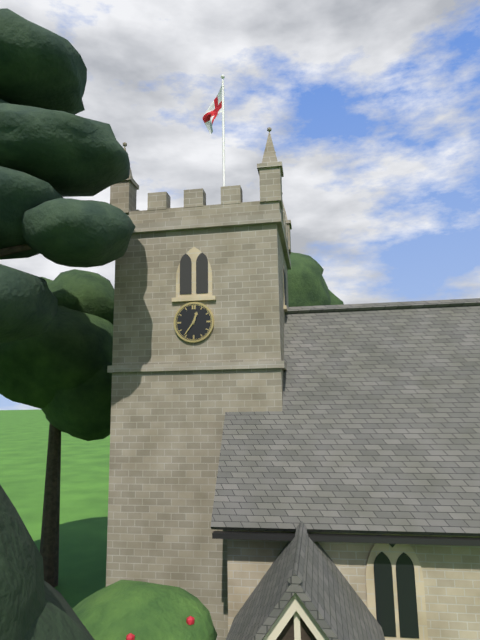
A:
h=12 m=36
